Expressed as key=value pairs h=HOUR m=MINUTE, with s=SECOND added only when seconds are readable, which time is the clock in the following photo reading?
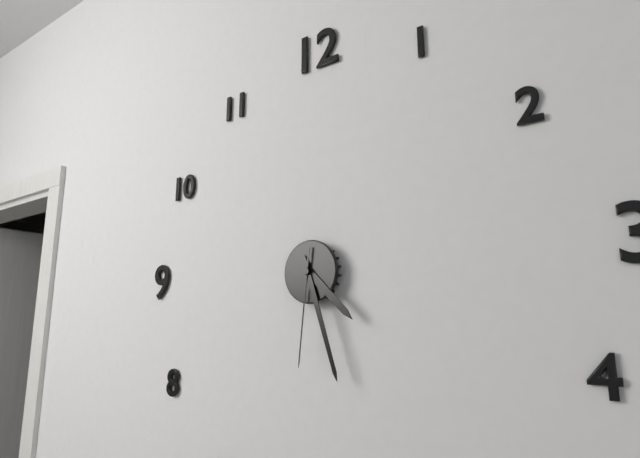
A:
h=4 m=27 s=31
